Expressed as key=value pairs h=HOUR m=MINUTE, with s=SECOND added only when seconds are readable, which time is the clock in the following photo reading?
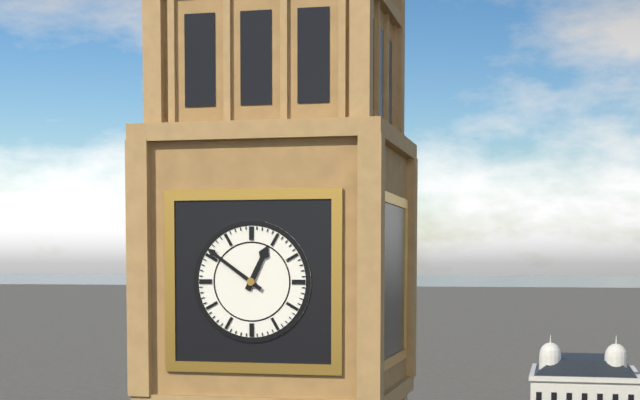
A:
h=12 m=51
